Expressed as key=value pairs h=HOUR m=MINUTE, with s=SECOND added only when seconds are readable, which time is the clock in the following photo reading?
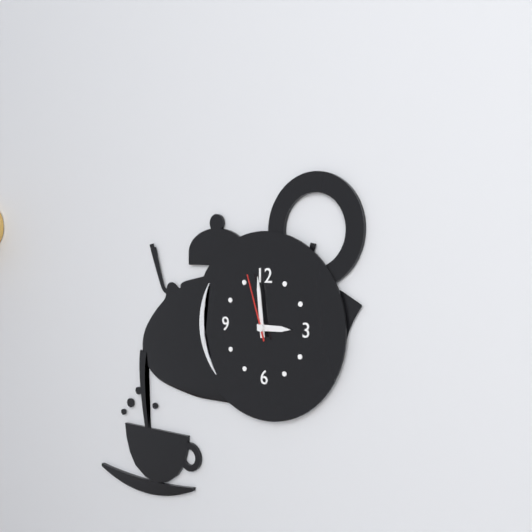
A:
h=2 m=59 s=57
